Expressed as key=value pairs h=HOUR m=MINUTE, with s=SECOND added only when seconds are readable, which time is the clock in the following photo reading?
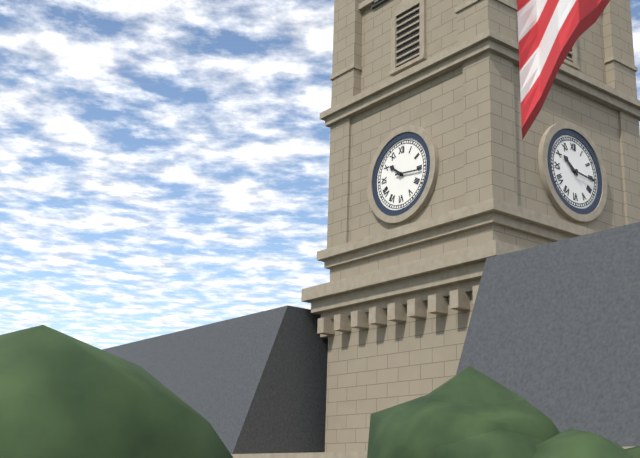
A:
h=10 m=16
